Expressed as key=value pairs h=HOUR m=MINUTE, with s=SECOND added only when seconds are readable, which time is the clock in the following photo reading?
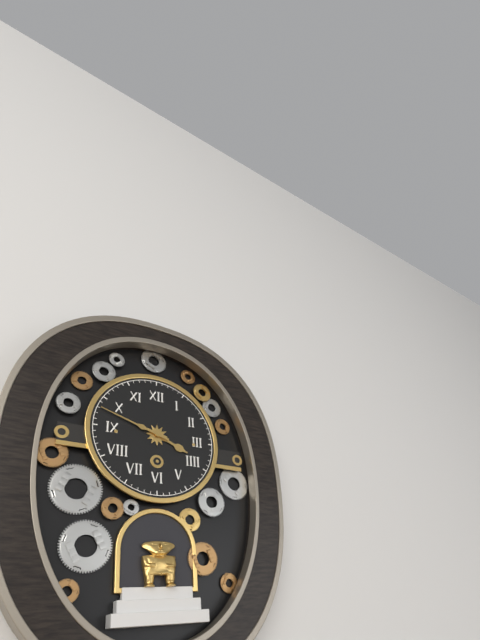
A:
h=3 m=48
